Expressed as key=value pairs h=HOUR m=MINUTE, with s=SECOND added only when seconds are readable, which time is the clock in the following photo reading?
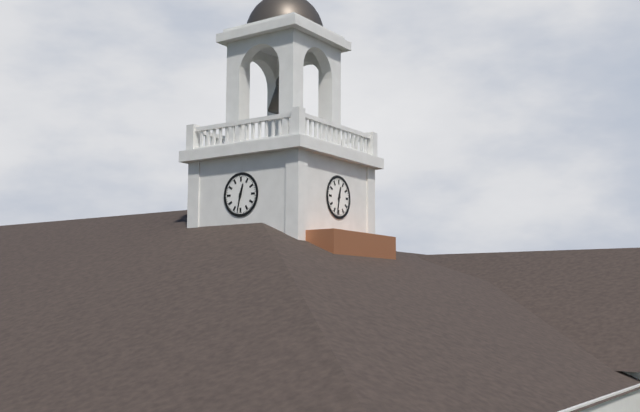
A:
h=12 m=32
